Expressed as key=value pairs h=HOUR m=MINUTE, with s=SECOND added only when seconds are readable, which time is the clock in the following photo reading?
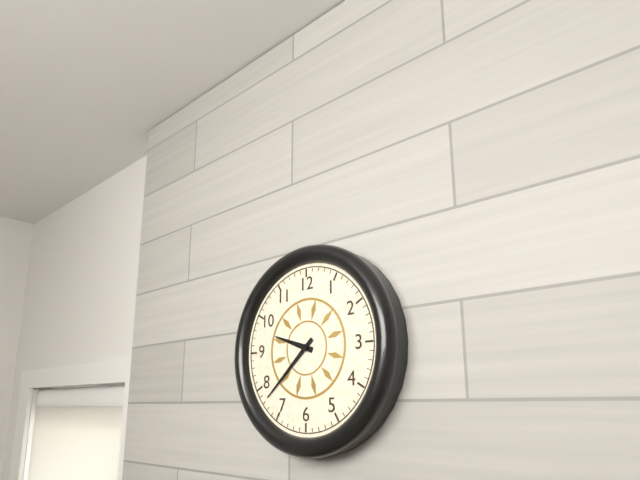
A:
h=9 m=38
